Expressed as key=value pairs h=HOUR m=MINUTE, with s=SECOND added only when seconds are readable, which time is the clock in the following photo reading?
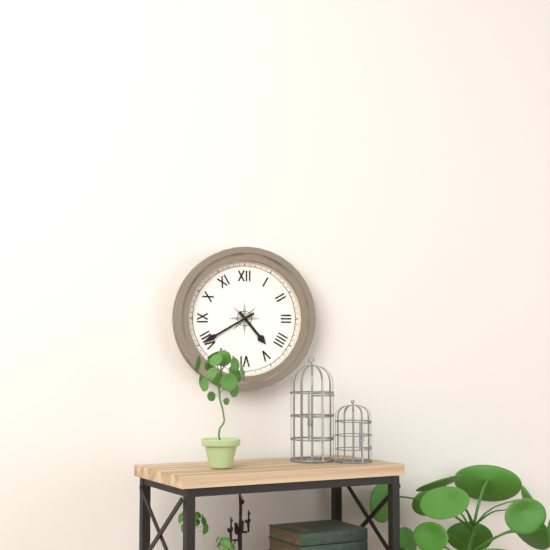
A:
h=4 m=40
